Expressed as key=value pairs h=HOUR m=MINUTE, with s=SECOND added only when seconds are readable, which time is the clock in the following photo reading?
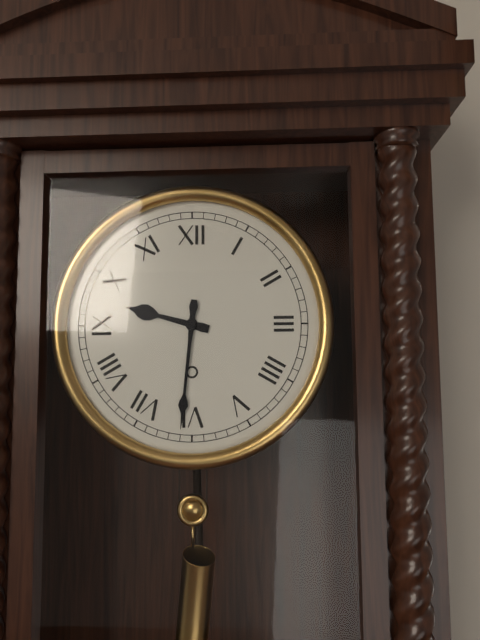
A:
h=9 m=31
